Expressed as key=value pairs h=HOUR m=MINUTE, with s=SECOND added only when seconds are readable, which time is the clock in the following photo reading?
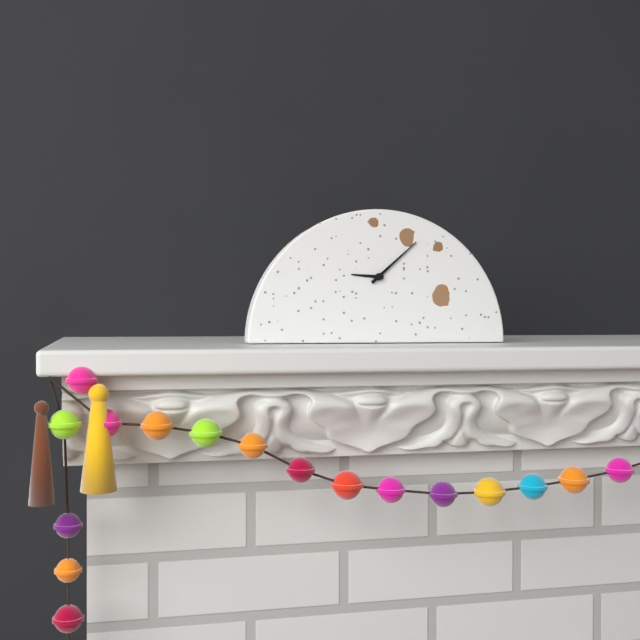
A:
h=9 m=8
